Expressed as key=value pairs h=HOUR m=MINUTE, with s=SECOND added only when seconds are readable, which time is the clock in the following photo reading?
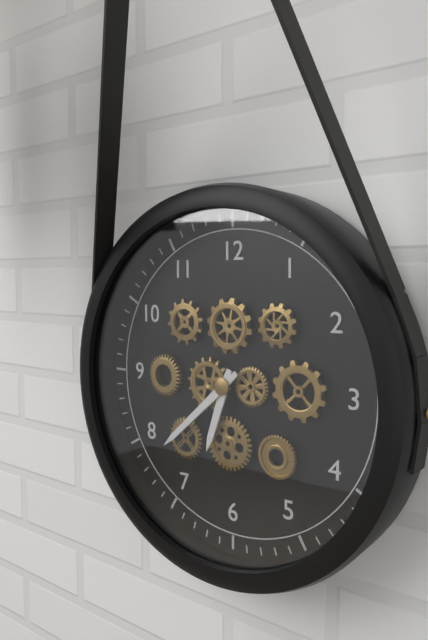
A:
h=6 m=38
